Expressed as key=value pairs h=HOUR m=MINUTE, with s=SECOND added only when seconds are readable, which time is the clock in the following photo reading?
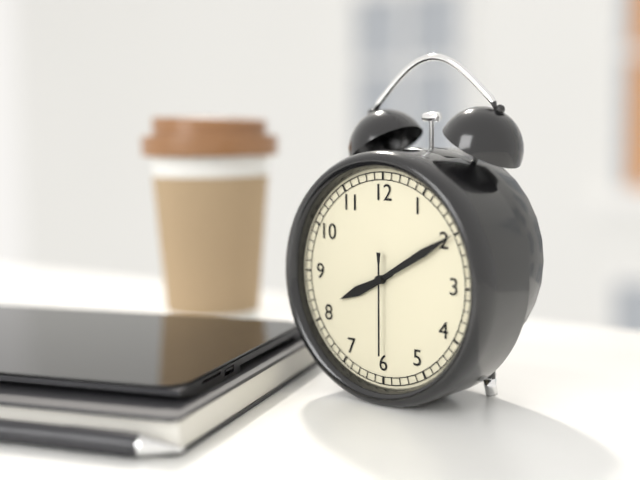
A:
h=8 m=10 s=30
